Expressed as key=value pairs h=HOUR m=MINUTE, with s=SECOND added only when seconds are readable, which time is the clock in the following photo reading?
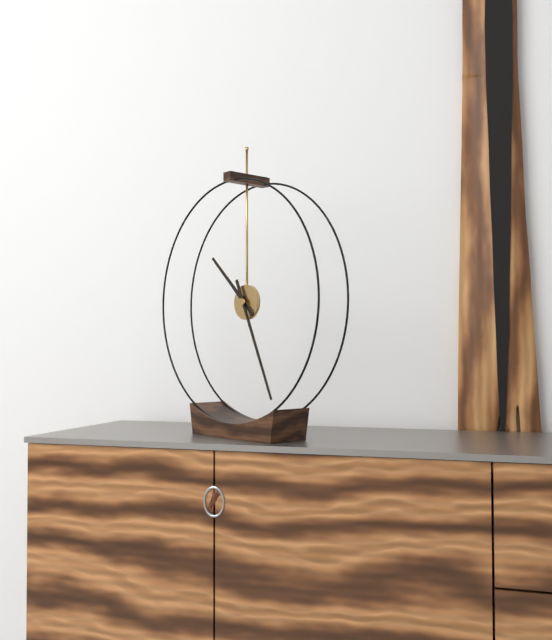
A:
h=10 m=26
